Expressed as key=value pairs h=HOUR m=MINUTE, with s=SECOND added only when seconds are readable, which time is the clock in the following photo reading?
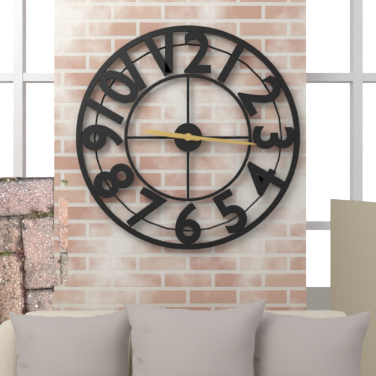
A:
h=9 m=16
